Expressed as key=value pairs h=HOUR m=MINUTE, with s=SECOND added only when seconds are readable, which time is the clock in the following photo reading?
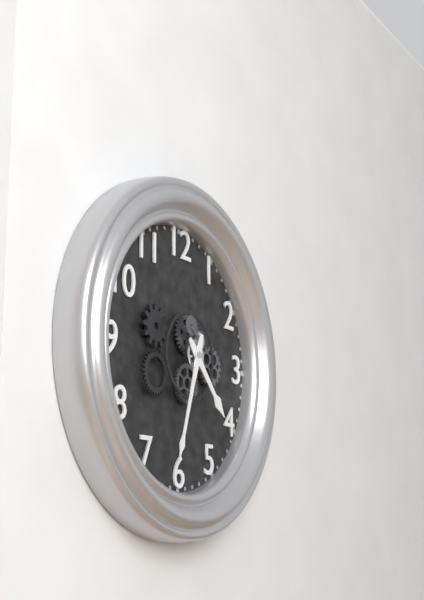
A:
h=4 m=33
